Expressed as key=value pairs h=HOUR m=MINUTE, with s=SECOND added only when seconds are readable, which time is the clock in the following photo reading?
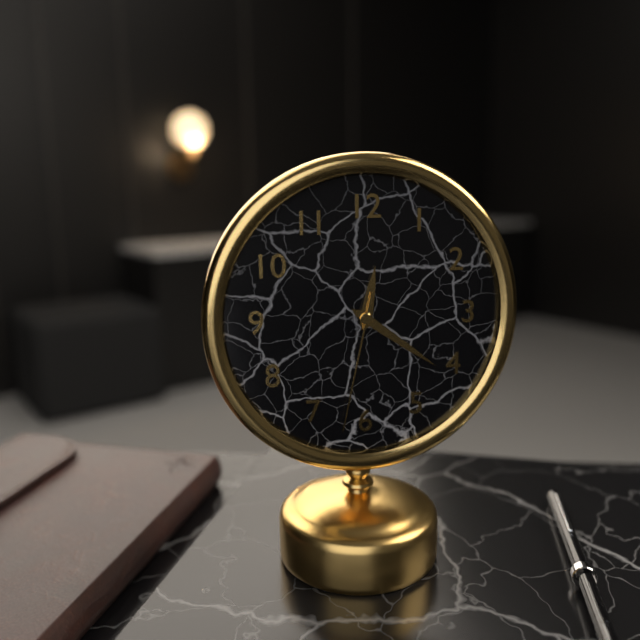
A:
h=12 m=21 s=32
